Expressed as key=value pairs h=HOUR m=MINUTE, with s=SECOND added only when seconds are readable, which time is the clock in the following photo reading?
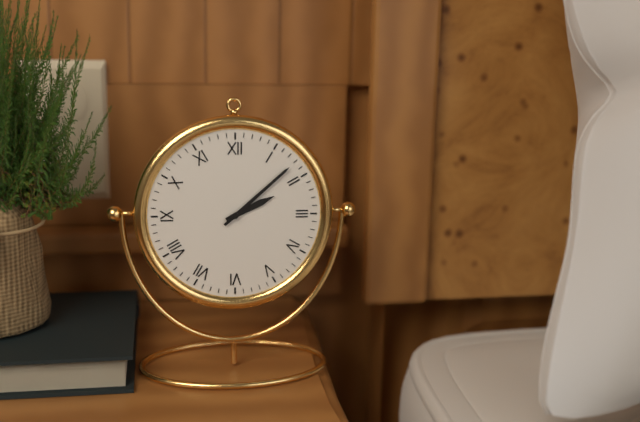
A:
h=2 m=8
